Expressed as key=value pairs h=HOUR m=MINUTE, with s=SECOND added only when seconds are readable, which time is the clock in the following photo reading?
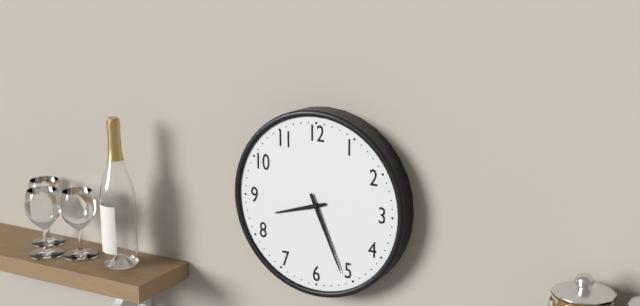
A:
h=8 m=26
